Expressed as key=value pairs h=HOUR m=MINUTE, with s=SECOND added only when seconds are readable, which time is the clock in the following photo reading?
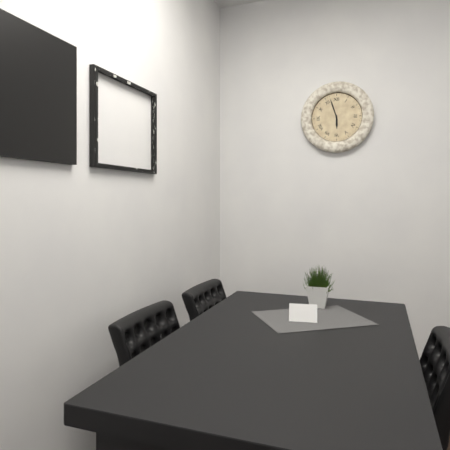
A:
h=5 m=57
